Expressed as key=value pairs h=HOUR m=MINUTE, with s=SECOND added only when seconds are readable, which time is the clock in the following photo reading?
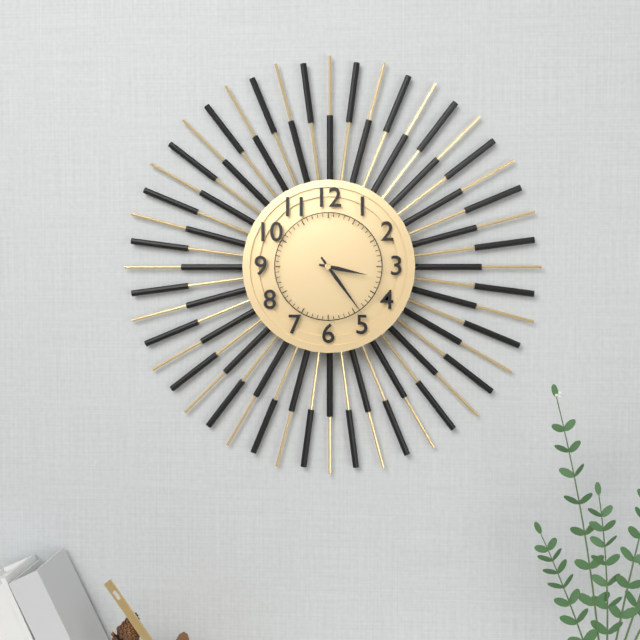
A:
h=3 m=24
